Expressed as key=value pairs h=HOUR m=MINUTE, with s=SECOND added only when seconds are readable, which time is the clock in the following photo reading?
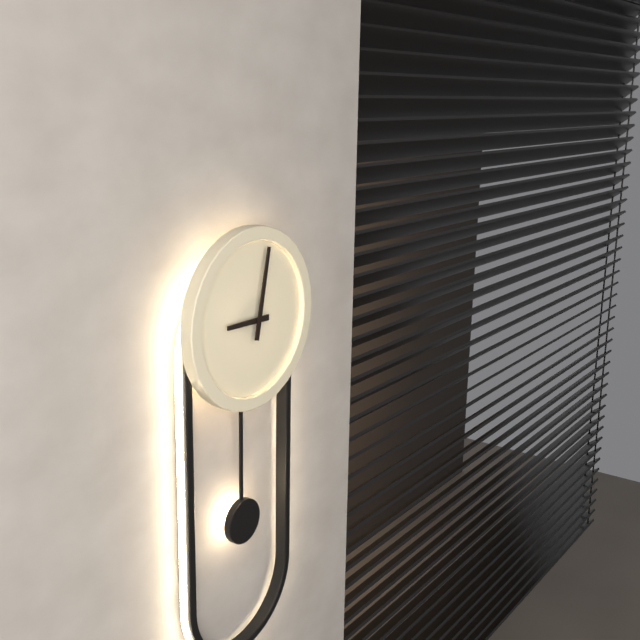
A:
h=9 m=2
